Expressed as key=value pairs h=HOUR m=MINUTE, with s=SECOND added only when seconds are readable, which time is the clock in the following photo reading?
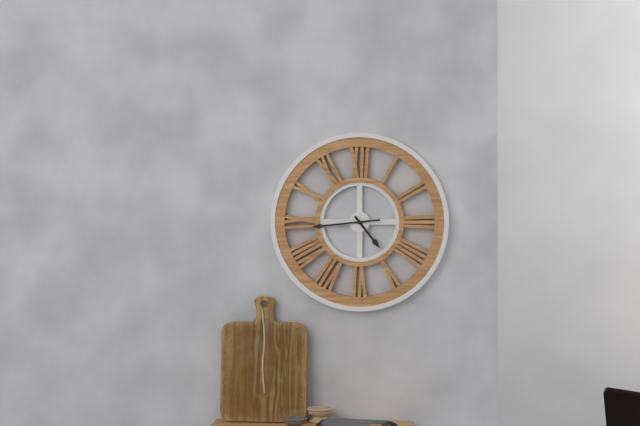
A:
h=4 m=44
